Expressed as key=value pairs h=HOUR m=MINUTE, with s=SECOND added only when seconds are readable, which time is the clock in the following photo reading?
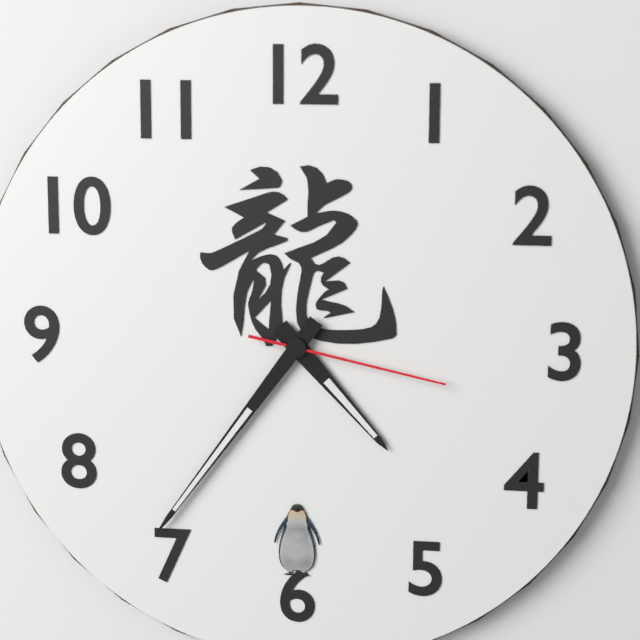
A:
h=4 m=36 s=17
